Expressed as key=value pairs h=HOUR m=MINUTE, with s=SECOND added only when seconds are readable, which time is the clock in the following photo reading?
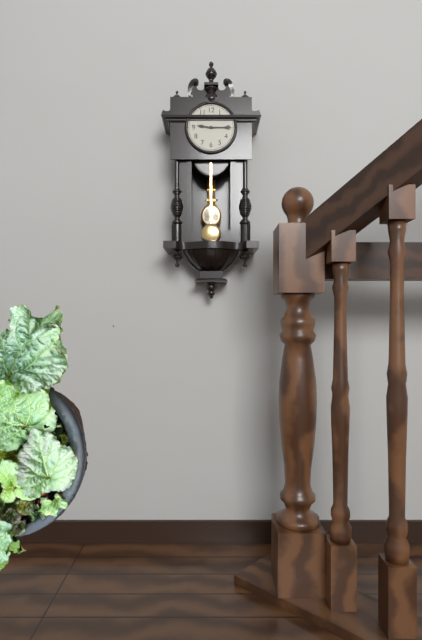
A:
h=9 m=15
